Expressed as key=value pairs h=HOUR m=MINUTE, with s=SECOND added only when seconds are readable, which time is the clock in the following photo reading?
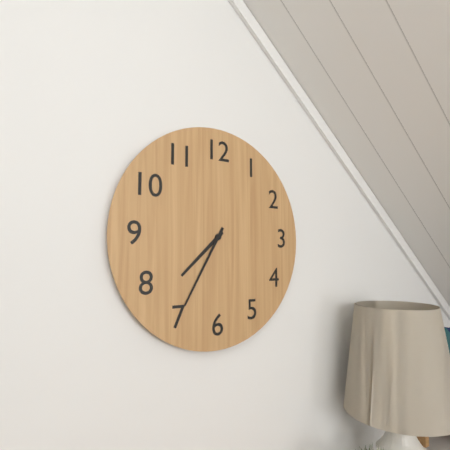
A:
h=7 m=35
